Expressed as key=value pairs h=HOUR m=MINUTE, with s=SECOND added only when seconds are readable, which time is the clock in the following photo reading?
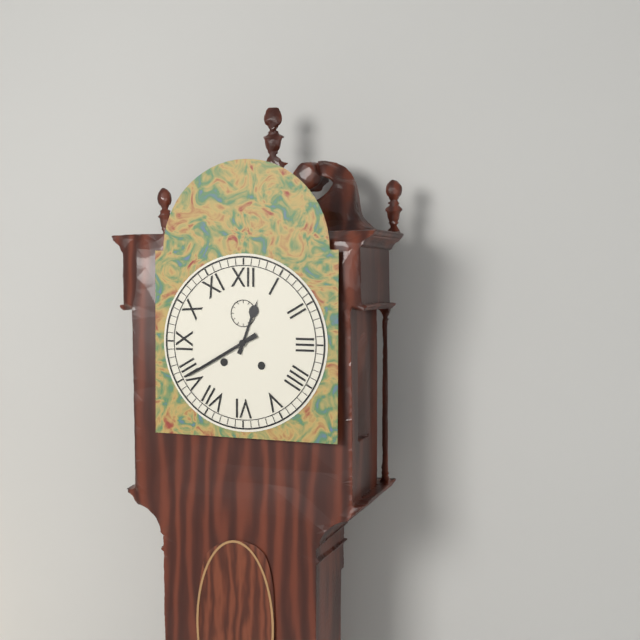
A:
h=12 m=40
